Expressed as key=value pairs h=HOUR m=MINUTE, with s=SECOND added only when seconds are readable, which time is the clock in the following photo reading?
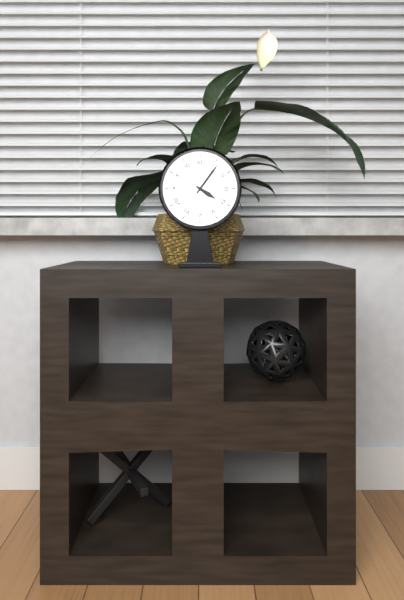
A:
h=4 m=6
